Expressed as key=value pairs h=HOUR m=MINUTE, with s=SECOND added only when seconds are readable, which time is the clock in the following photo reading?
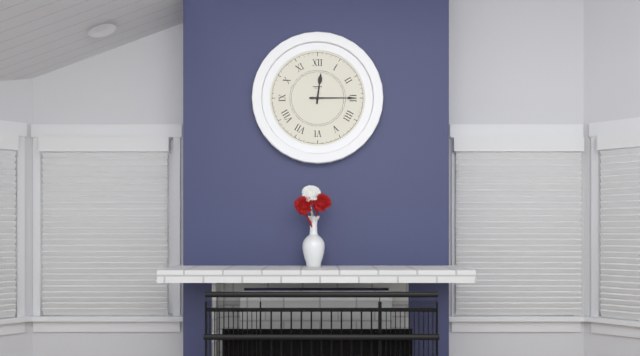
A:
h=12 m=15
